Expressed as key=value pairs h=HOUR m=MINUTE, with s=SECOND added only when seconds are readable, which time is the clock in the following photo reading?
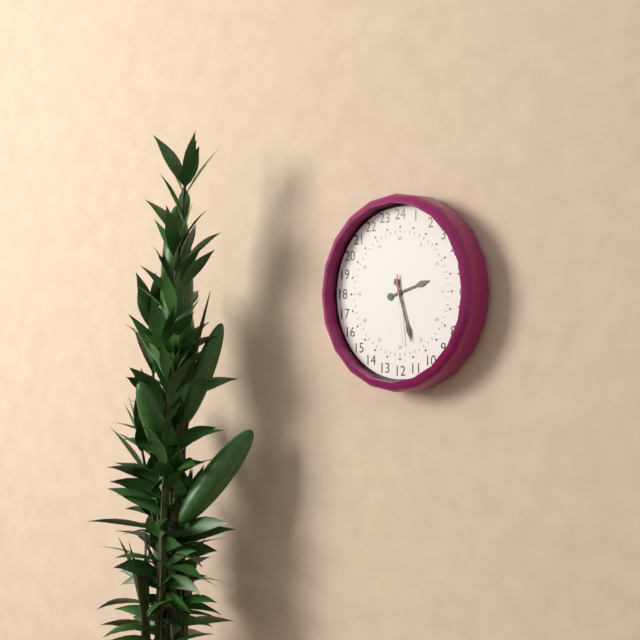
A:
h=2 m=27 s=29
